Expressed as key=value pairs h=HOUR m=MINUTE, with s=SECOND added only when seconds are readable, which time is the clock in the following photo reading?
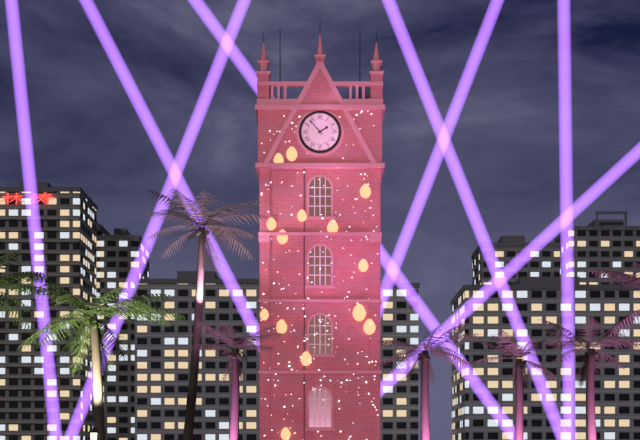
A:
h=1 m=53
